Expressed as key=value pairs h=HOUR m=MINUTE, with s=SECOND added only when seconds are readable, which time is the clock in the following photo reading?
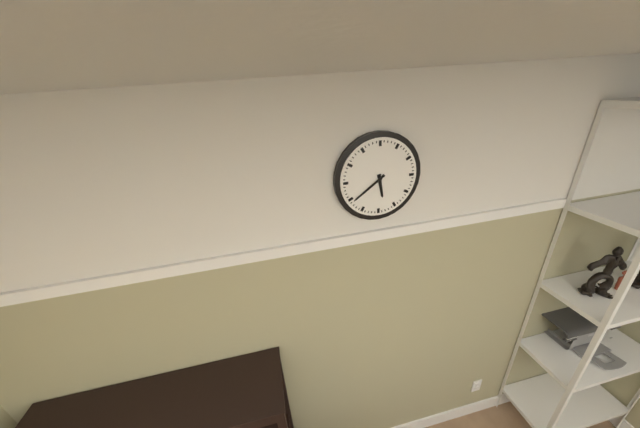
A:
h=5 m=39
